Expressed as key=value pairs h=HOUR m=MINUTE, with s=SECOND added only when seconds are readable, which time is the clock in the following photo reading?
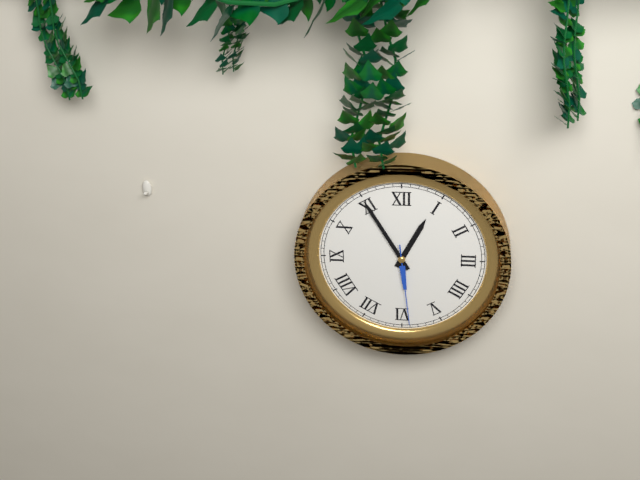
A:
h=12 m=55 s=29
